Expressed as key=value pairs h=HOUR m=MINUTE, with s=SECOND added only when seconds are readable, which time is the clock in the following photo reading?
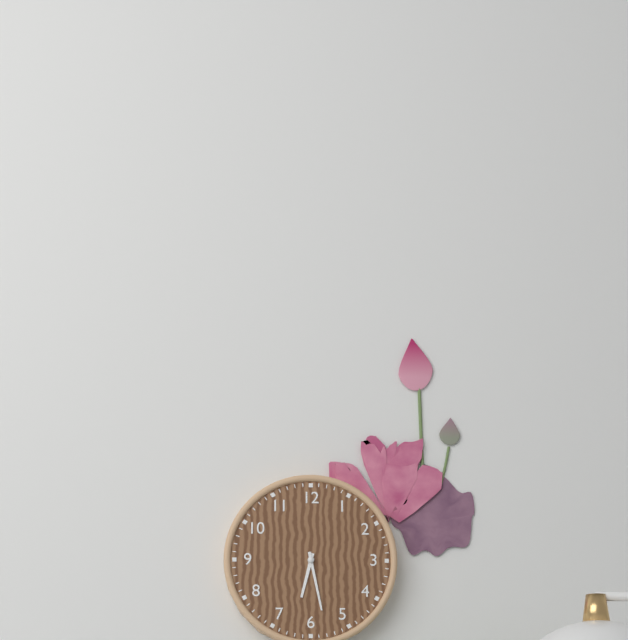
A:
h=6 m=28
